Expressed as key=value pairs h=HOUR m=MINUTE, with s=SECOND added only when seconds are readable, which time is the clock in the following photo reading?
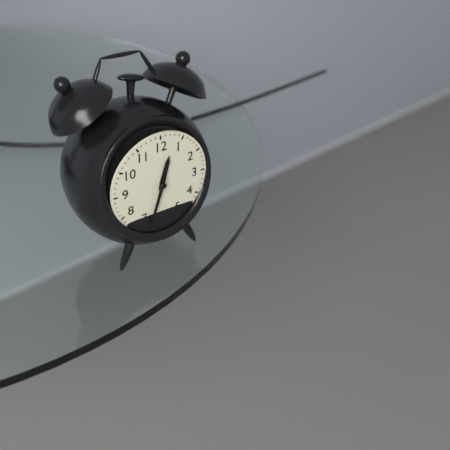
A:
h=12 m=33
